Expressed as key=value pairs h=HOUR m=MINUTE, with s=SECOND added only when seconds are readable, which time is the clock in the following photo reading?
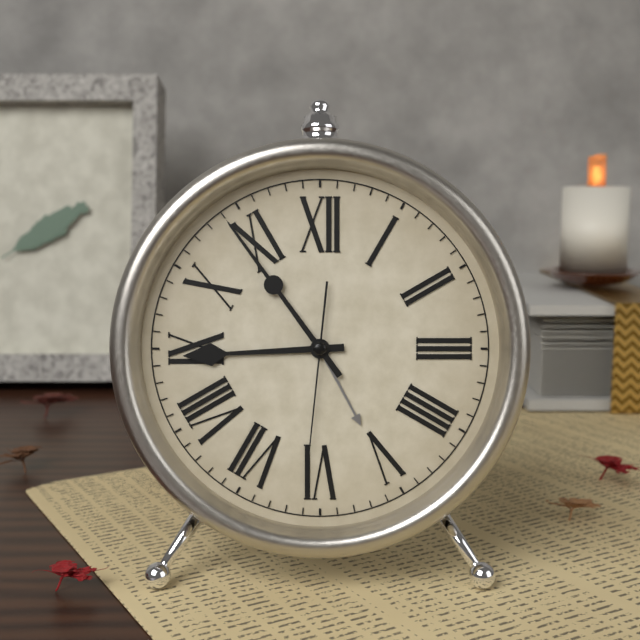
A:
h=8 m=54 s=31
